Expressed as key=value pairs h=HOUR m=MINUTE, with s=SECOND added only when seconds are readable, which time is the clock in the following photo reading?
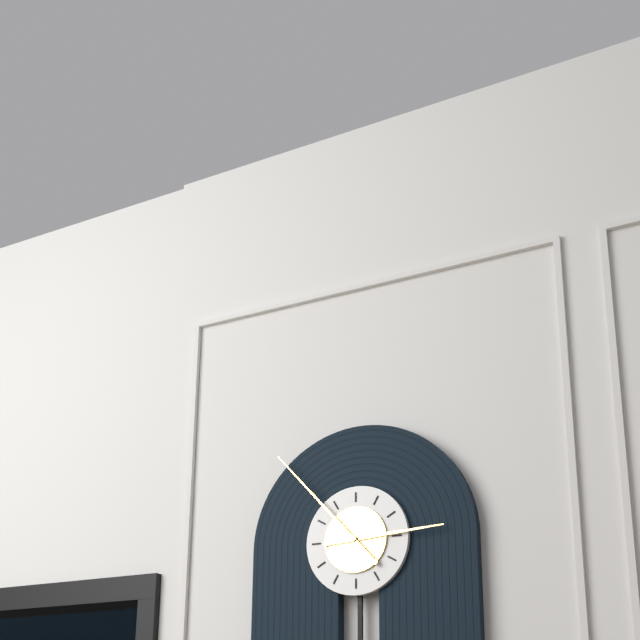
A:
h=2 m=53
